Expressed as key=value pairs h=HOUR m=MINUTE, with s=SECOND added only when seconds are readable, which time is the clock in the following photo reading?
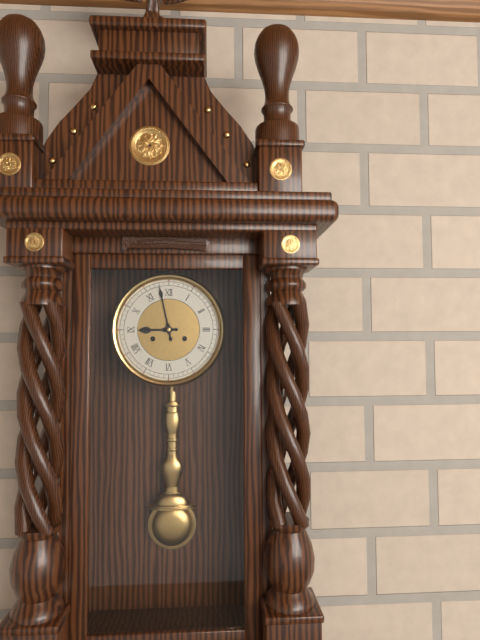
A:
h=8 m=58
